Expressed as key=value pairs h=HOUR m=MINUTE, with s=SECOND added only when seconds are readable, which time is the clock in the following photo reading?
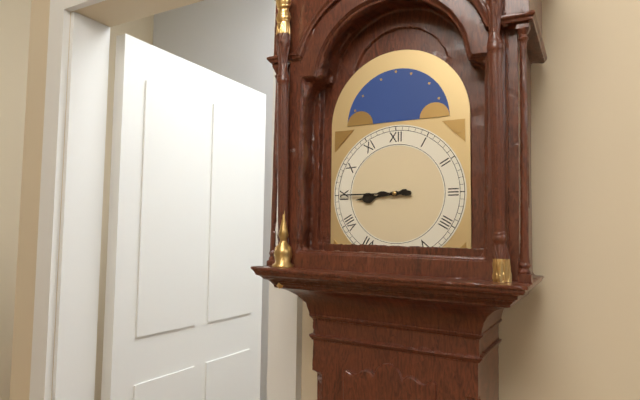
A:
h=8 m=45
